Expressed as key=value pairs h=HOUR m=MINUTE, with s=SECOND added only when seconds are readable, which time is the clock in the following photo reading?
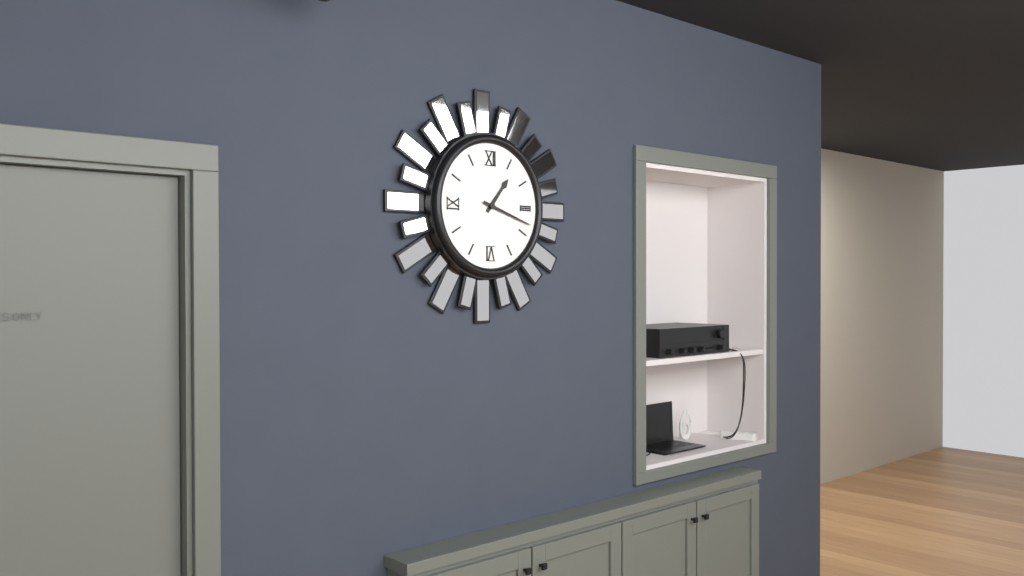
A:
h=1 m=18
